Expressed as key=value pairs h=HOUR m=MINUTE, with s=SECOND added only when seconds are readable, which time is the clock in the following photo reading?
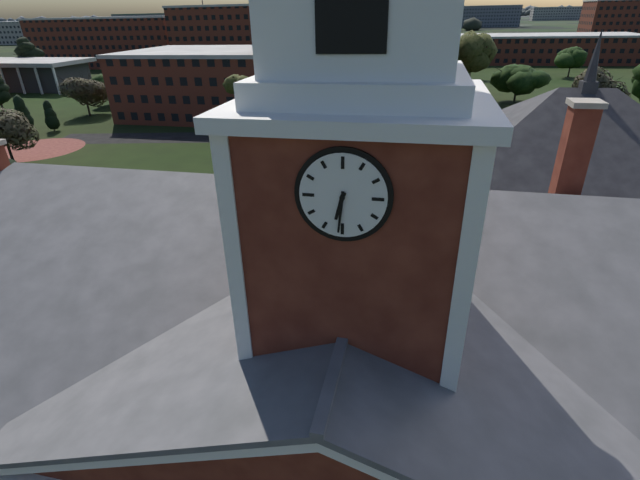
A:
h=6 m=31
